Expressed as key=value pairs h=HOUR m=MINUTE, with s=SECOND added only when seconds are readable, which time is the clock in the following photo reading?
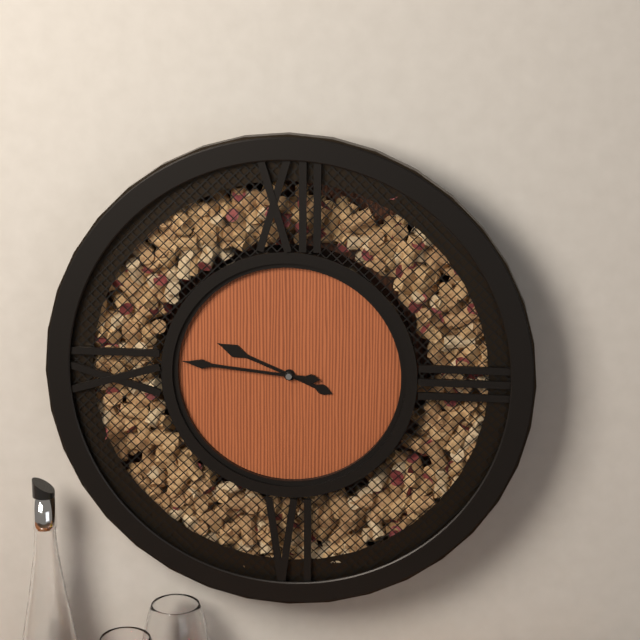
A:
h=9 m=46
